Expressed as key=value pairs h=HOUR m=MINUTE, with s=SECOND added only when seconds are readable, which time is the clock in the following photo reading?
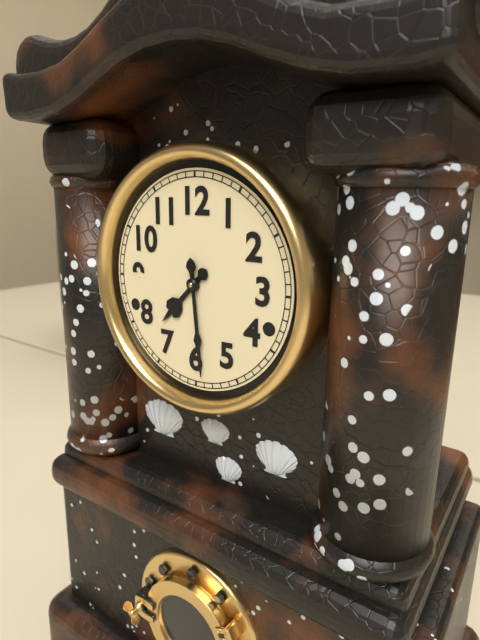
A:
h=7 m=29
